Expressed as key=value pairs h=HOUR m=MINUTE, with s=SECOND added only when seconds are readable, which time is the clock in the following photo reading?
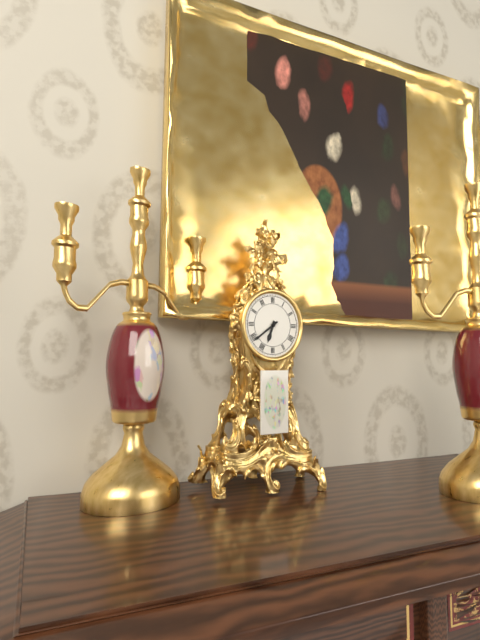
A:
h=6 m=39
